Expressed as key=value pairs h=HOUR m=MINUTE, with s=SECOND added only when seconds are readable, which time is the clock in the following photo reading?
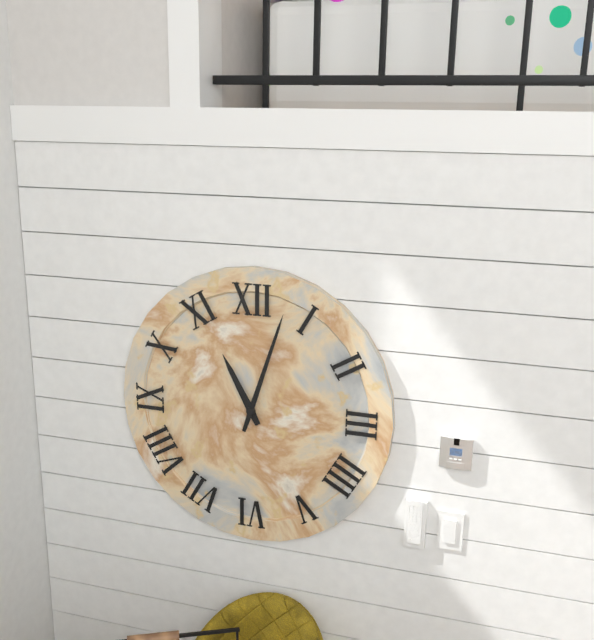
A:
h=11 m=3
